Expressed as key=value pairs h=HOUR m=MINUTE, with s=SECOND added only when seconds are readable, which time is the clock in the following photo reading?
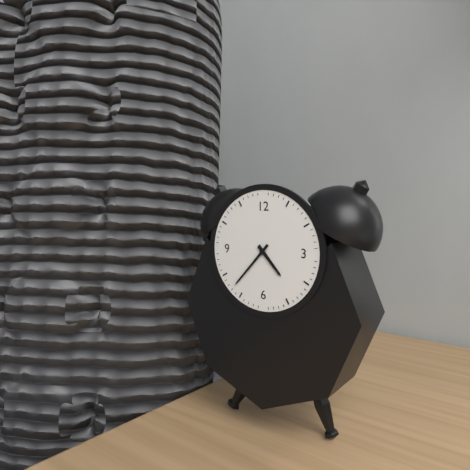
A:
h=4 m=37
